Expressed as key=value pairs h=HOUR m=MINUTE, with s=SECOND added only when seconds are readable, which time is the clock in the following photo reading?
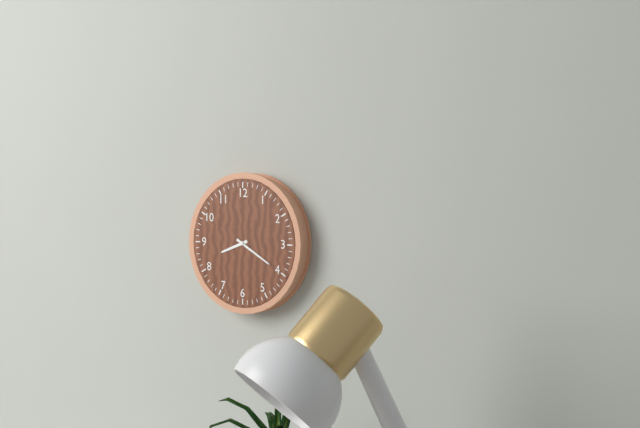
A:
h=8 m=20
